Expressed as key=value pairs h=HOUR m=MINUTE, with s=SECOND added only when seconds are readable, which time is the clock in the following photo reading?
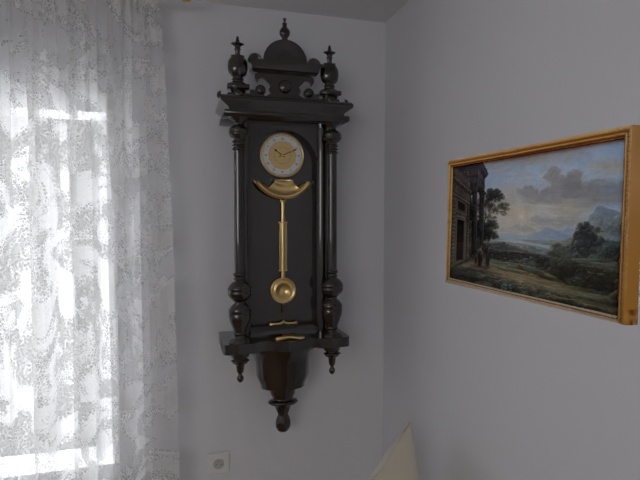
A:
h=10 m=11
